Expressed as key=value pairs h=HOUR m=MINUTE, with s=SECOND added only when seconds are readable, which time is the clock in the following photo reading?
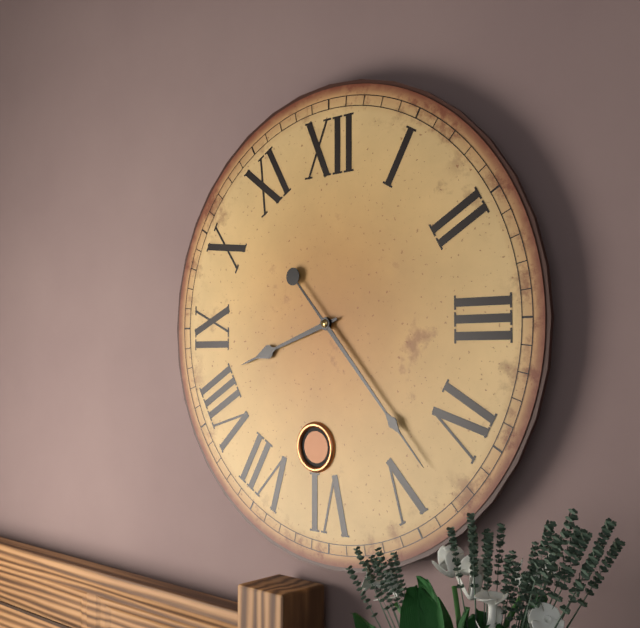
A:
h=8 m=23
